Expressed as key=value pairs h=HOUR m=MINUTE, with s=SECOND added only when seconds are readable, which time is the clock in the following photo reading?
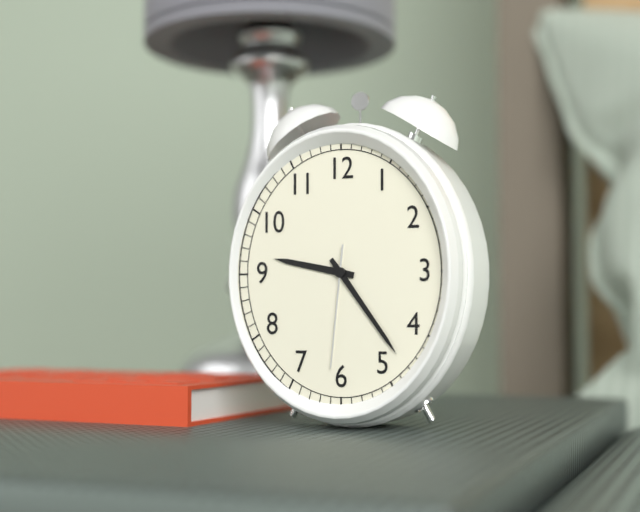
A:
h=9 m=24 s=31
